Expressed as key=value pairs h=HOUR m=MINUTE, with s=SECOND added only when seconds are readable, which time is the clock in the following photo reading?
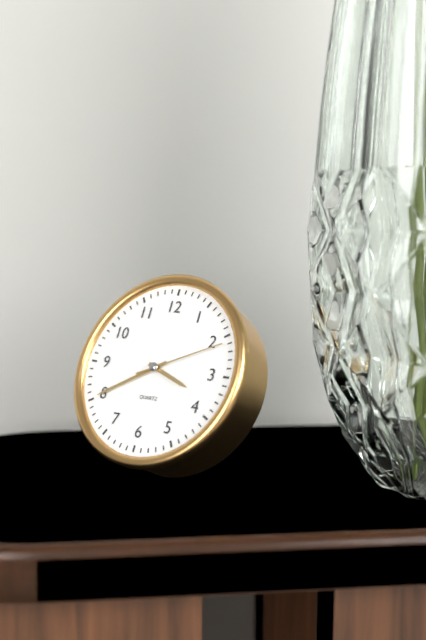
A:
h=3 m=40 s=11
